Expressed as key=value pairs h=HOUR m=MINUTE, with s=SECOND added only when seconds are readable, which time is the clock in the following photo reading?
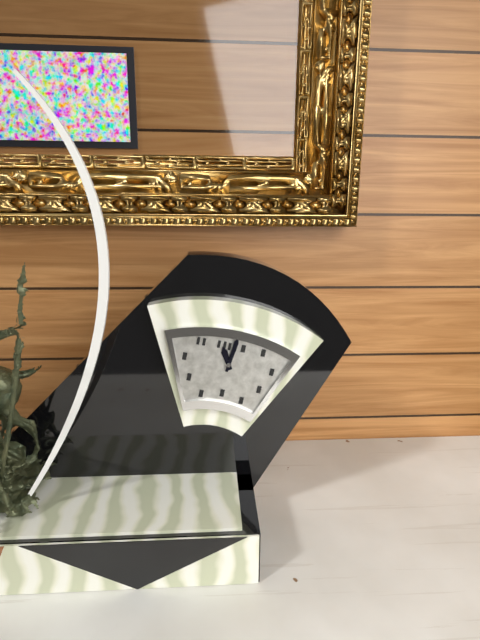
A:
h=11 m=1
